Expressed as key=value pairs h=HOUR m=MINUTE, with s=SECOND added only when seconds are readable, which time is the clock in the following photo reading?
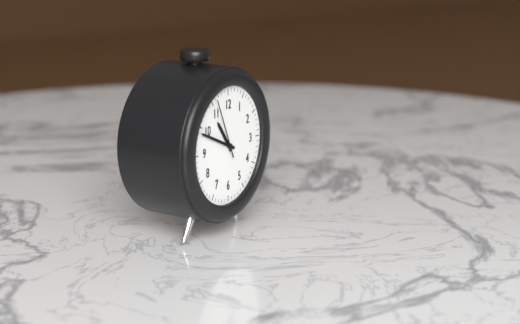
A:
h=10 m=49 s=56
